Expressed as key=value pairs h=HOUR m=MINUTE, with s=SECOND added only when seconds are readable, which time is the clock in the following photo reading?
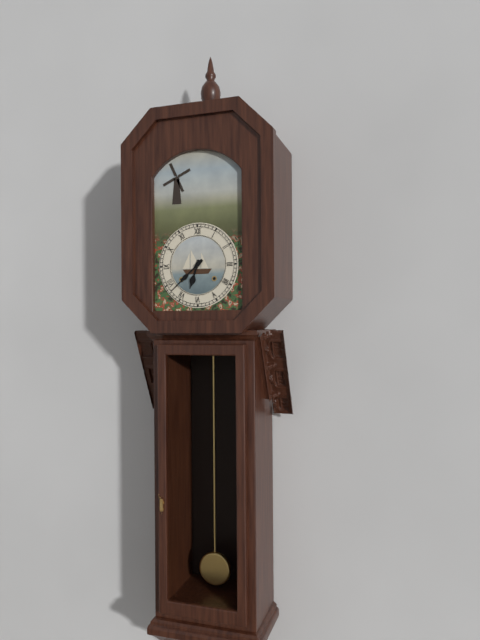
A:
h=6 m=38
